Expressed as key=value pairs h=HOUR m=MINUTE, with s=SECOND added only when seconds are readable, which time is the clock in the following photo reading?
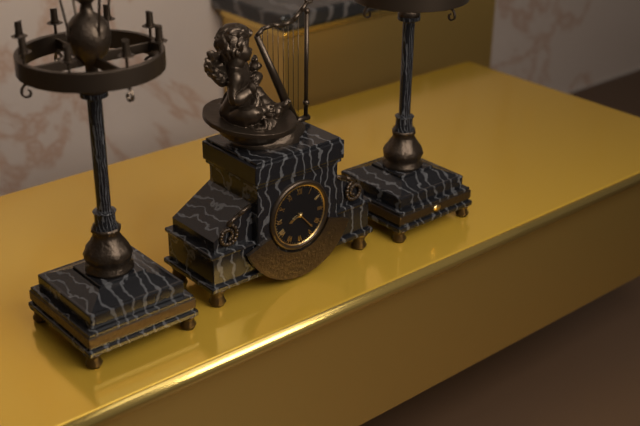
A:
h=8 m=23
